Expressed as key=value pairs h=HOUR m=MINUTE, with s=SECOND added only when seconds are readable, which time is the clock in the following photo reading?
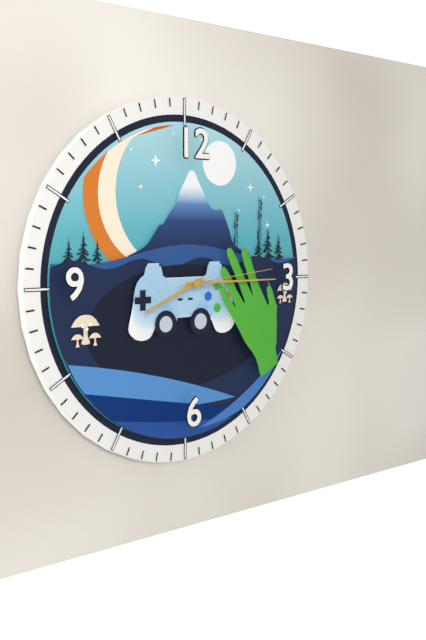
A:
h=8 m=15 s=14
